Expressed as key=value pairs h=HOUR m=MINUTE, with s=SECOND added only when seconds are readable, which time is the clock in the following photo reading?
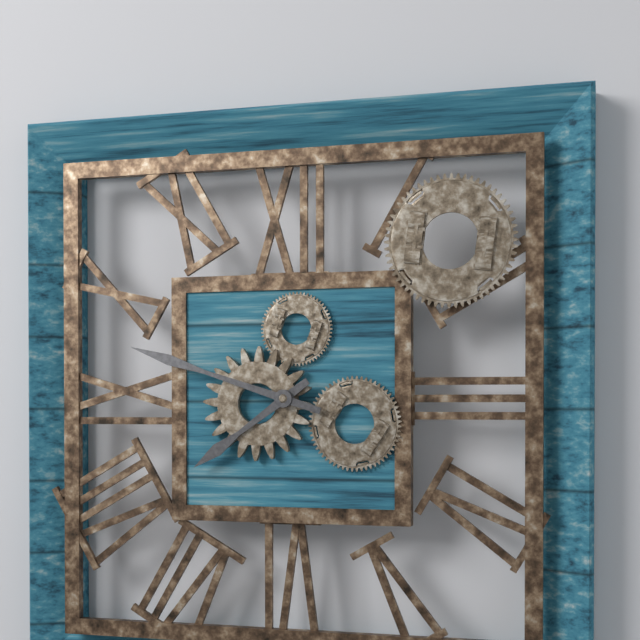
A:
h=7 m=48
